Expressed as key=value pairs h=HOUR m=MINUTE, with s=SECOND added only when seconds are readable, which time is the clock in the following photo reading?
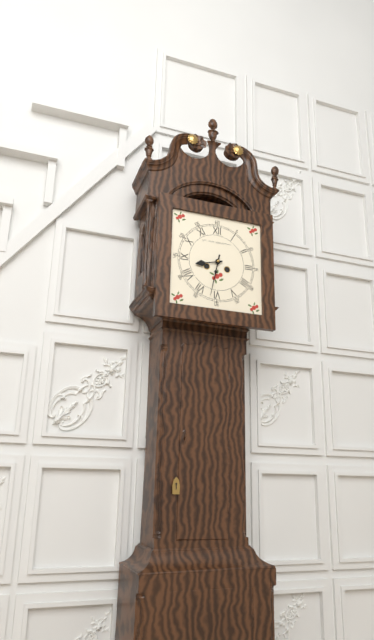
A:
h=8 m=32
